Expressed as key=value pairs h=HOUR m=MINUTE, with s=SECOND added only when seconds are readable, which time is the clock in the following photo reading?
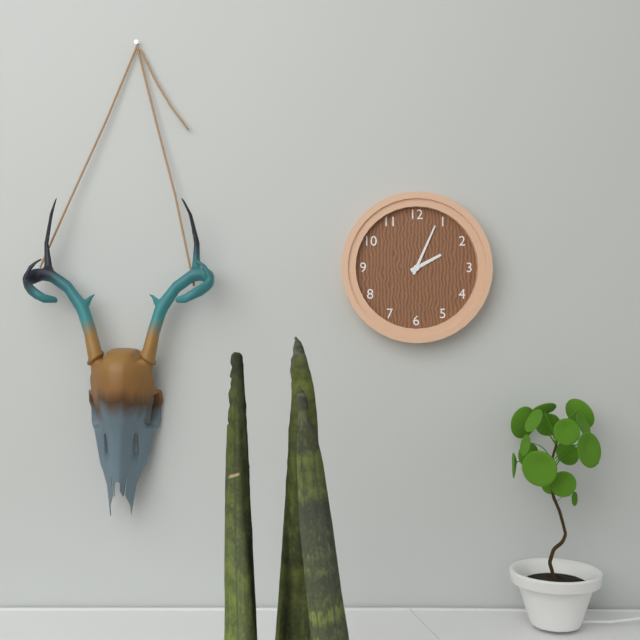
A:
h=2 m=4
